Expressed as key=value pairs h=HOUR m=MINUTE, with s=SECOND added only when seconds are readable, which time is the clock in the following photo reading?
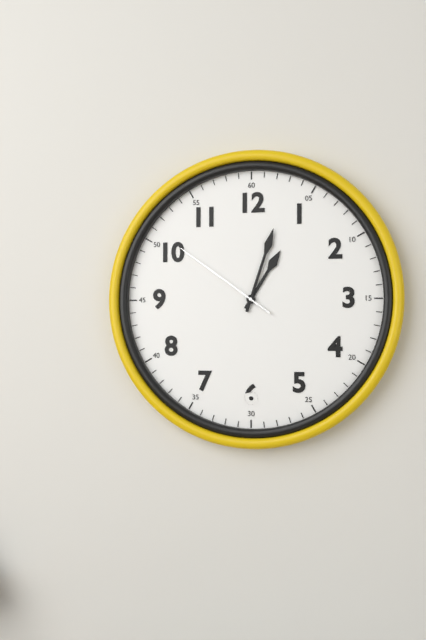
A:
h=1 m=3 s=51
